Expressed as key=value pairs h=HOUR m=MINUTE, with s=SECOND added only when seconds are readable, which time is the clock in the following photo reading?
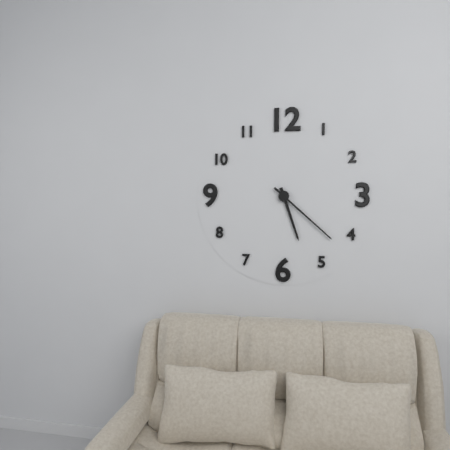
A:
h=5 m=22
